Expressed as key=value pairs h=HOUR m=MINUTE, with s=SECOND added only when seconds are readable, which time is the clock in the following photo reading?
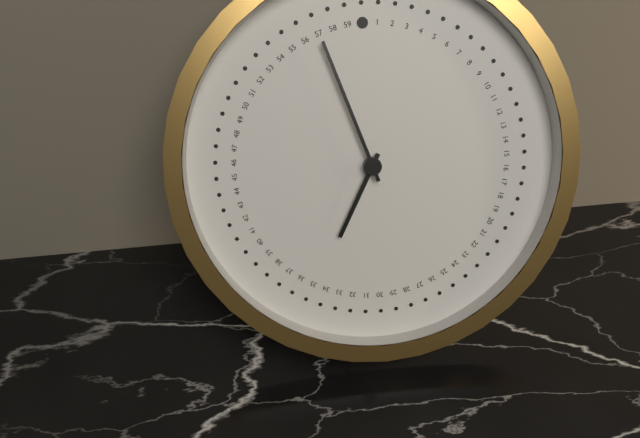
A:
h=6 m=57
